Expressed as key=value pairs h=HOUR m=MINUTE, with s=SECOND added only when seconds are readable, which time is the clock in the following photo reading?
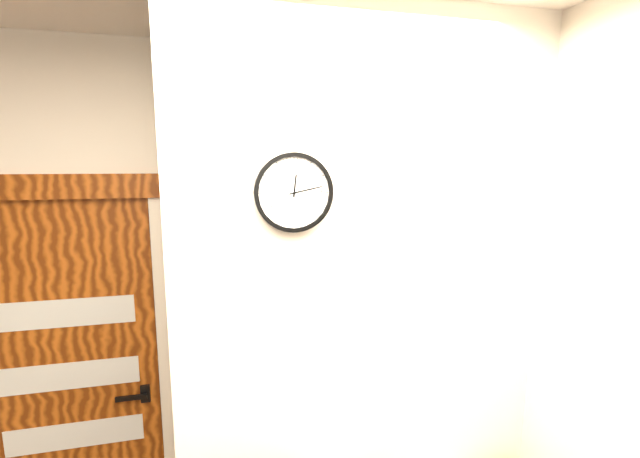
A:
h=12 m=13
